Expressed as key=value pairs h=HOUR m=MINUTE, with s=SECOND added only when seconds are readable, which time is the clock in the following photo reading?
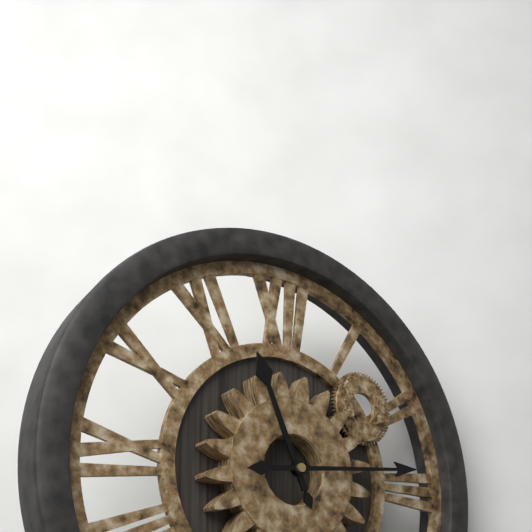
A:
h=11 m=14
